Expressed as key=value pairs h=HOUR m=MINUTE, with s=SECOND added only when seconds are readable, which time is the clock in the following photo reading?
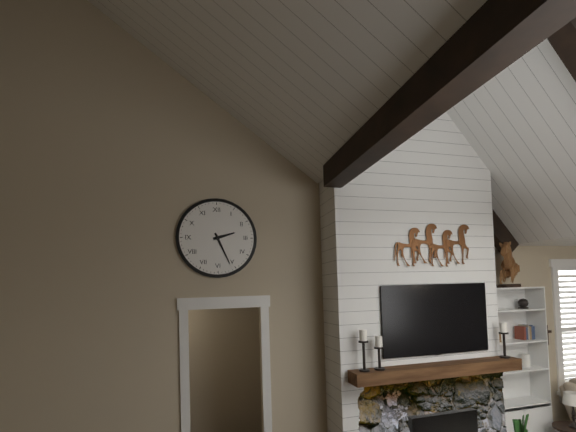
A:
h=2 m=26
